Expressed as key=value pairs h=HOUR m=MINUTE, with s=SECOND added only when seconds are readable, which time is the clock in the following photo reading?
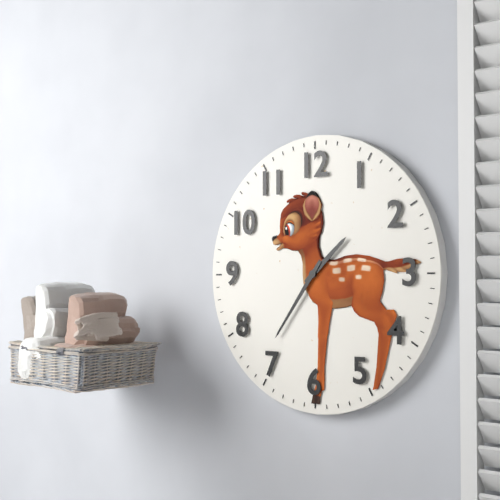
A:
h=1 m=36
